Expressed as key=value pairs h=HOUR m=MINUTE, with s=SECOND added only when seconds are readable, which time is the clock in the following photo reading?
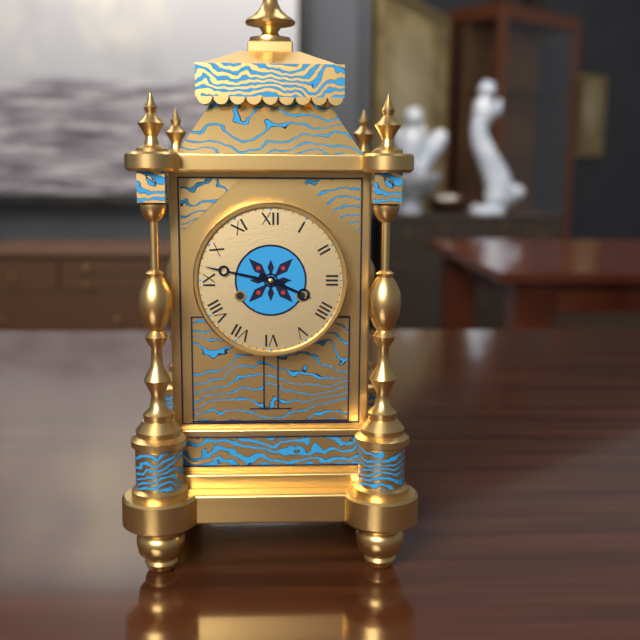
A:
h=3 m=47
